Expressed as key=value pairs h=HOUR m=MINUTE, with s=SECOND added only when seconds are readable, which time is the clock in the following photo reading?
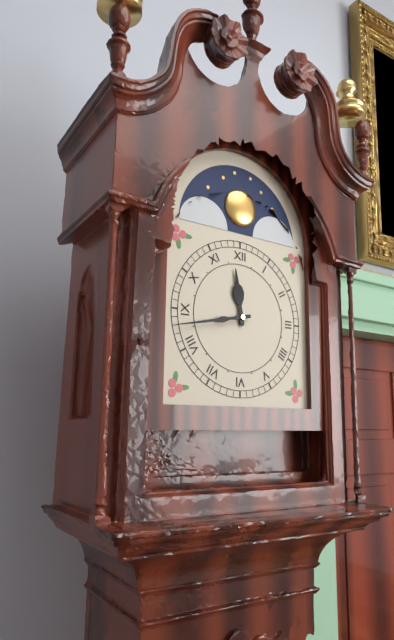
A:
h=11 m=43
